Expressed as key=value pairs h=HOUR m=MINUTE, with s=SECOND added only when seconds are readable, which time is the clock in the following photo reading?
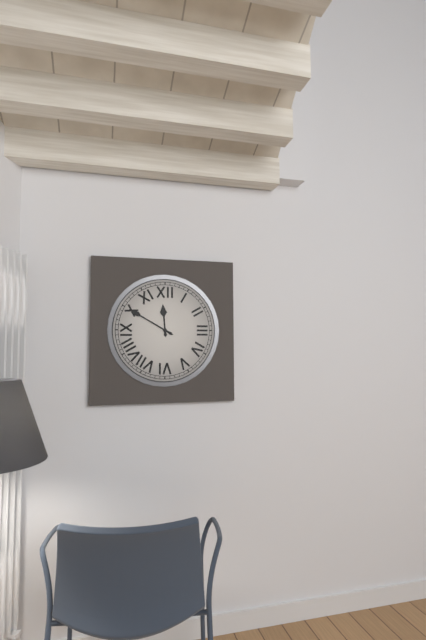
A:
h=11 m=50
